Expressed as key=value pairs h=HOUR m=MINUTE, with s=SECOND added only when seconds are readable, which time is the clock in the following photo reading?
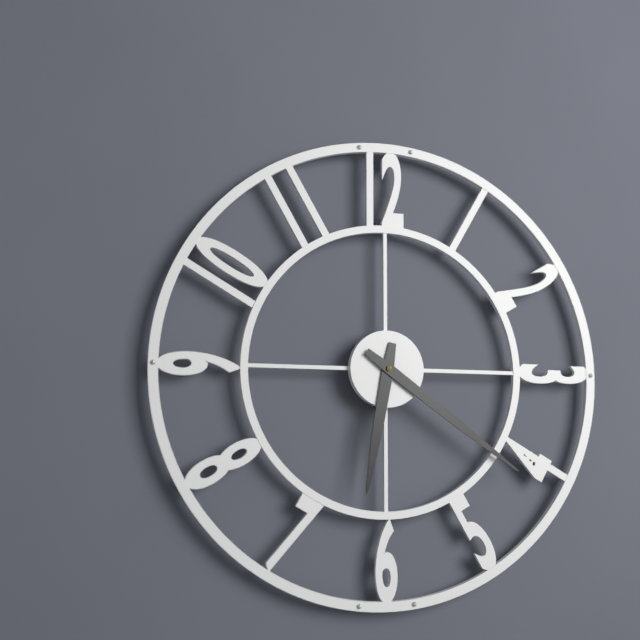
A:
h=6 m=21
